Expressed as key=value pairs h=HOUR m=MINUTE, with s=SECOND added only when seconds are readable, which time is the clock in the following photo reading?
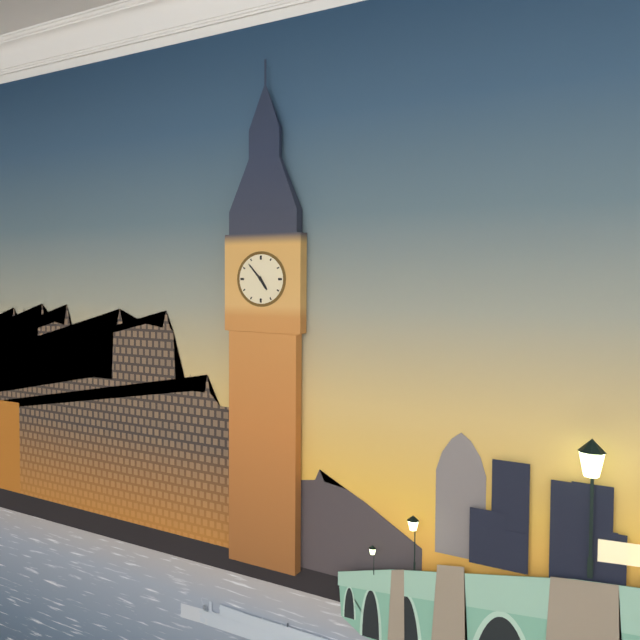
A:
h=4 m=53
